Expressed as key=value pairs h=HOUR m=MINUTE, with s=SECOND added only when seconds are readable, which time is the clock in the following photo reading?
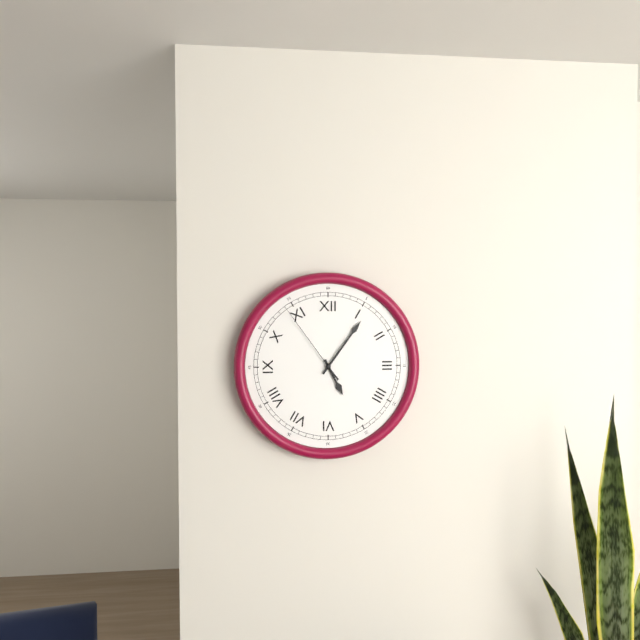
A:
h=5 m=6 s=54
